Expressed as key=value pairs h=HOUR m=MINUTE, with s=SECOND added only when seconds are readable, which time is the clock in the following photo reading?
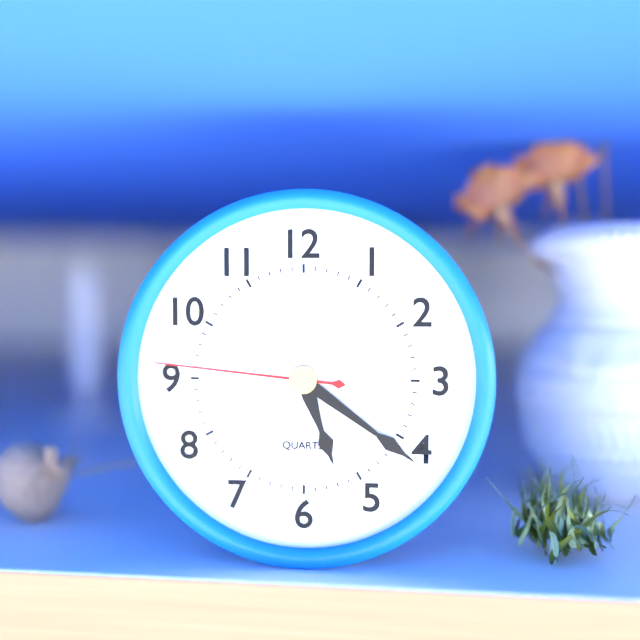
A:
h=5 m=21 s=46
